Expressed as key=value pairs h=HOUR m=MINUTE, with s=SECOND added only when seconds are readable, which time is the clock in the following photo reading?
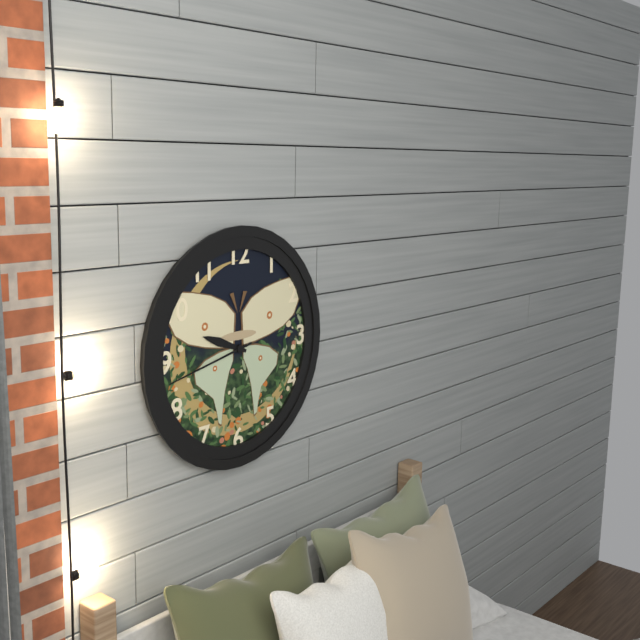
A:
h=9 m=43
